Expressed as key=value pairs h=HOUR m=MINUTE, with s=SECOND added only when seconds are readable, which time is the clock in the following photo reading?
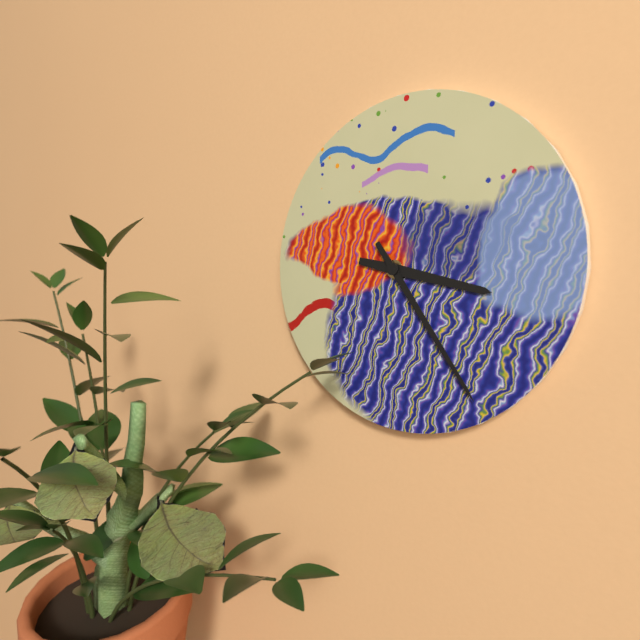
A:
h=3 m=24
